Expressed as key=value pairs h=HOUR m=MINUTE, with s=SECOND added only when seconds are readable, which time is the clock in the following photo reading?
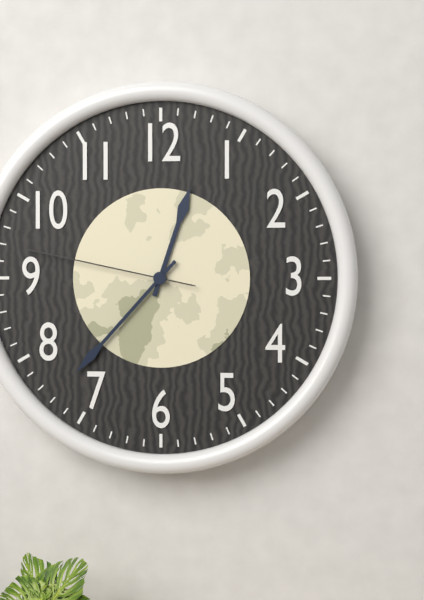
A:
h=12 m=37 s=47
